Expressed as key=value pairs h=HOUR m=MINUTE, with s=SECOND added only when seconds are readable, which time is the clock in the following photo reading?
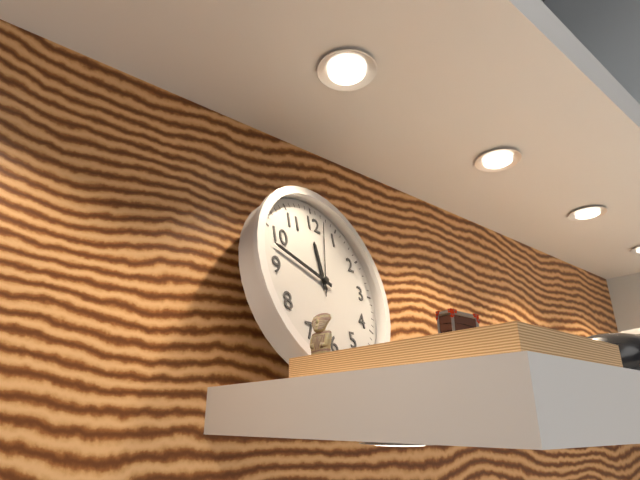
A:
h=11 m=48 s=2
